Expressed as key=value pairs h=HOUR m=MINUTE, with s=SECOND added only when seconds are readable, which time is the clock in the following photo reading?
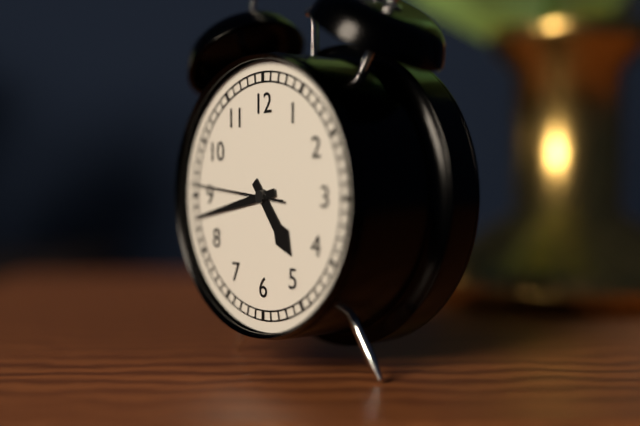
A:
h=4 m=43 s=46
